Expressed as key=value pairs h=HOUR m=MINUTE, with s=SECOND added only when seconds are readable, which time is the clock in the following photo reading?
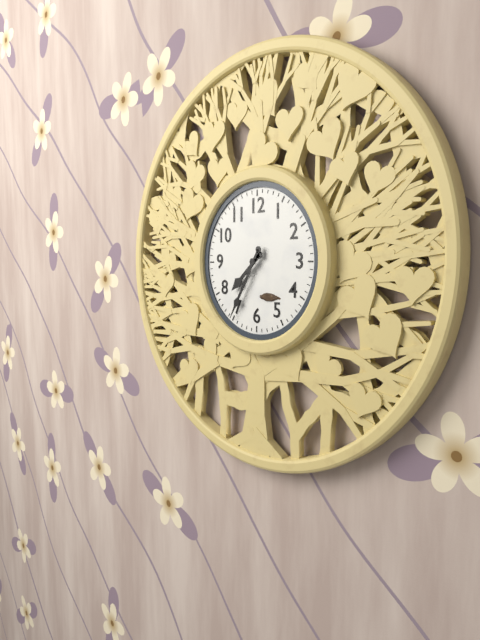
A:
h=7 m=35
